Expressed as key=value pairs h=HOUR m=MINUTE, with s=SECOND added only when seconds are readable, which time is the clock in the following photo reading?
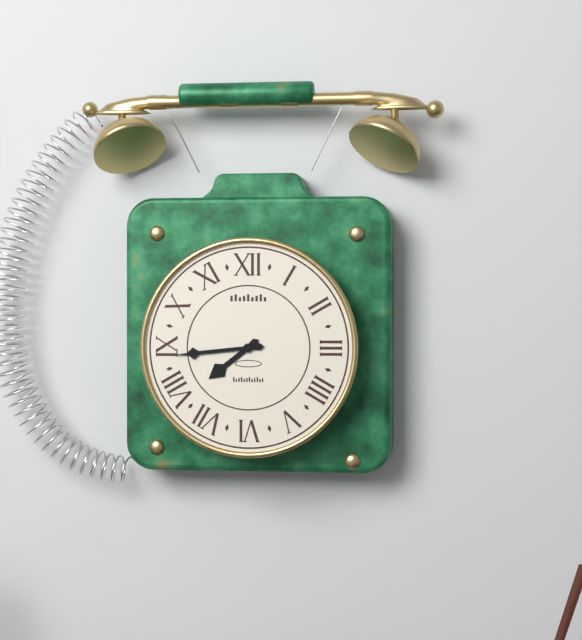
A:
h=7 m=44
